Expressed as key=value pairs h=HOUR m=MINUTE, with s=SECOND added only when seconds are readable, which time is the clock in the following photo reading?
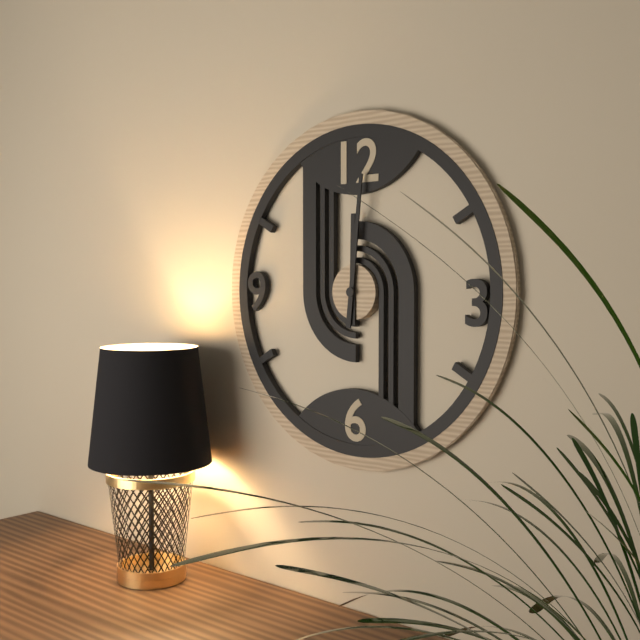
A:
h=12 m=1
